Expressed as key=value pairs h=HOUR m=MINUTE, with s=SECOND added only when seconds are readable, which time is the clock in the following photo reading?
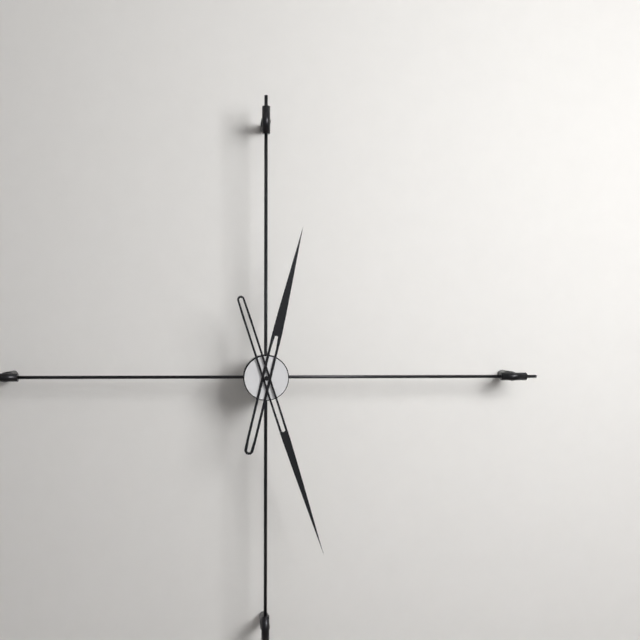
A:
h=12 m=27
